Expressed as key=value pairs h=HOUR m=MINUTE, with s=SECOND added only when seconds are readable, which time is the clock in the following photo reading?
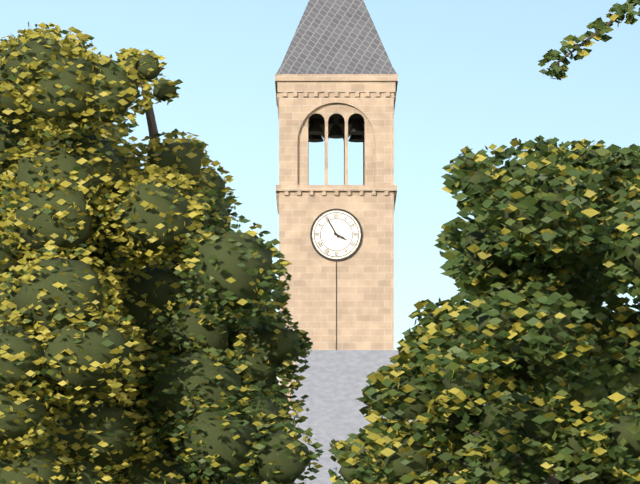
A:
h=3 m=55
